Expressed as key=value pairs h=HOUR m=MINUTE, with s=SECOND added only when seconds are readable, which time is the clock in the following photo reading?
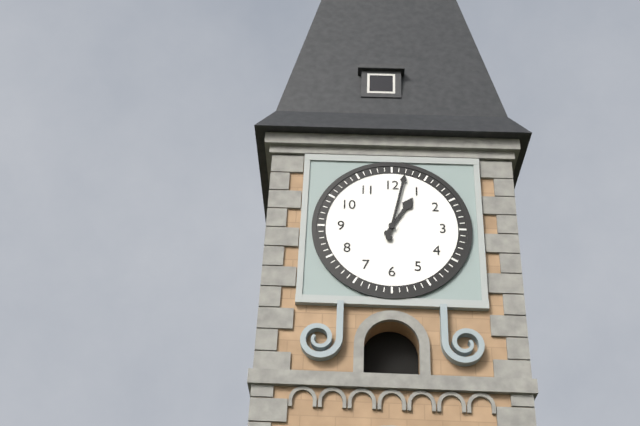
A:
h=1 m=2
